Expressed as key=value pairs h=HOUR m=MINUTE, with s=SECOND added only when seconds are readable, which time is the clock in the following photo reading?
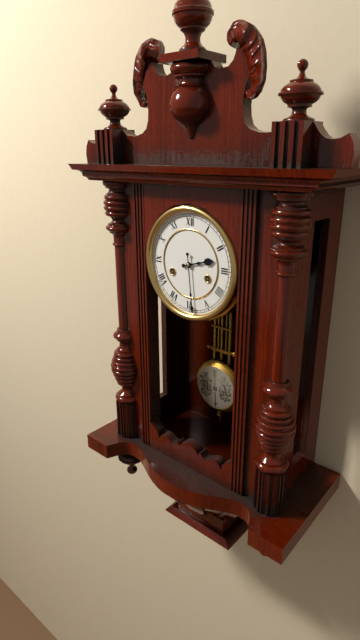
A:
h=2 m=29
